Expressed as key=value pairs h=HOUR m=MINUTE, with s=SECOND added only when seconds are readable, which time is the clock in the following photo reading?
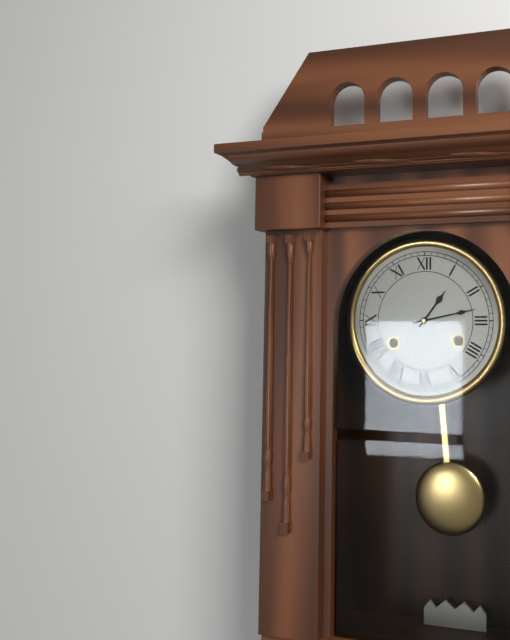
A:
h=1 m=13
